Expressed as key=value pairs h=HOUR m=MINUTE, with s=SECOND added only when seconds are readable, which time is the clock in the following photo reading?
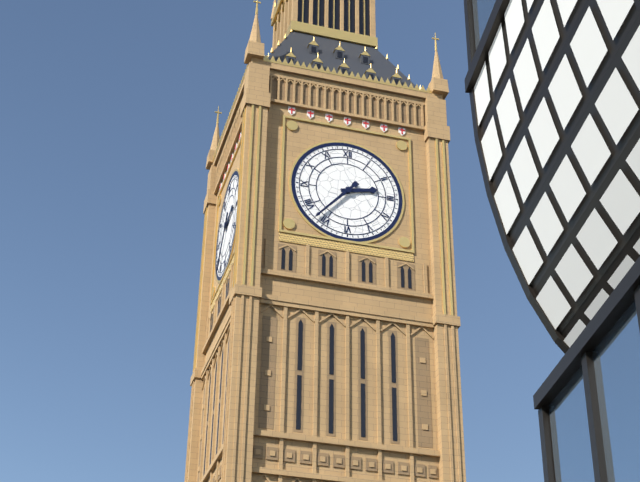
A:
h=2 m=37
